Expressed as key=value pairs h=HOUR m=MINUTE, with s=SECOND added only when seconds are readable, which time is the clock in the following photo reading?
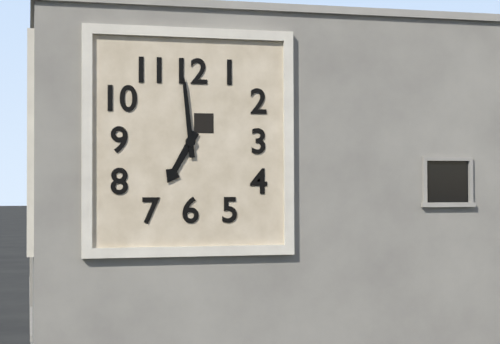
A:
h=6 m=59
